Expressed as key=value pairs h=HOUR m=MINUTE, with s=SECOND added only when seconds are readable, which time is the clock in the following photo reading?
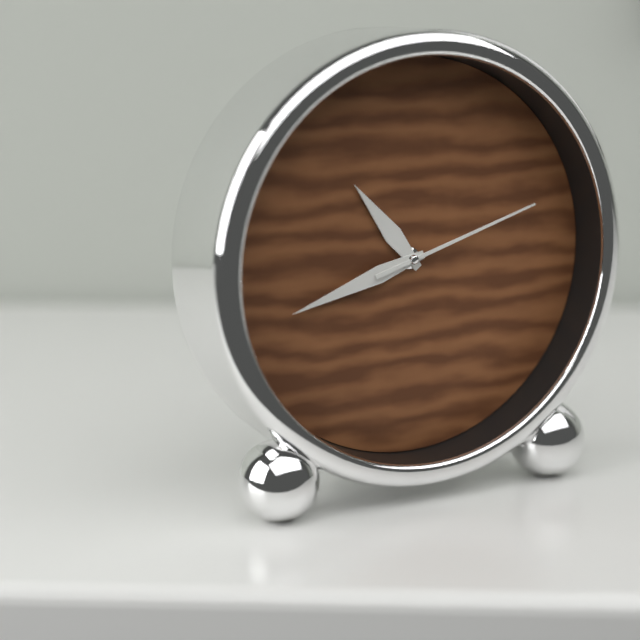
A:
h=10 m=42 s=12
